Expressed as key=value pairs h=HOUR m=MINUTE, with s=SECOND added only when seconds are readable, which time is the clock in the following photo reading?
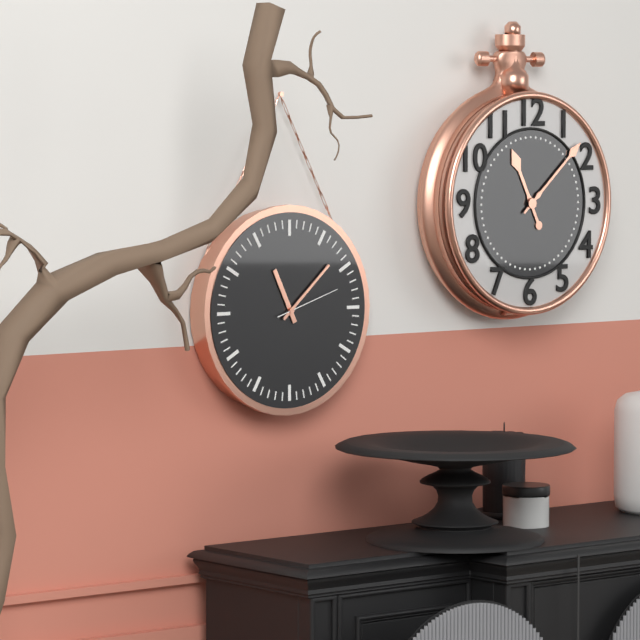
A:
h=11 m=8 s=12
